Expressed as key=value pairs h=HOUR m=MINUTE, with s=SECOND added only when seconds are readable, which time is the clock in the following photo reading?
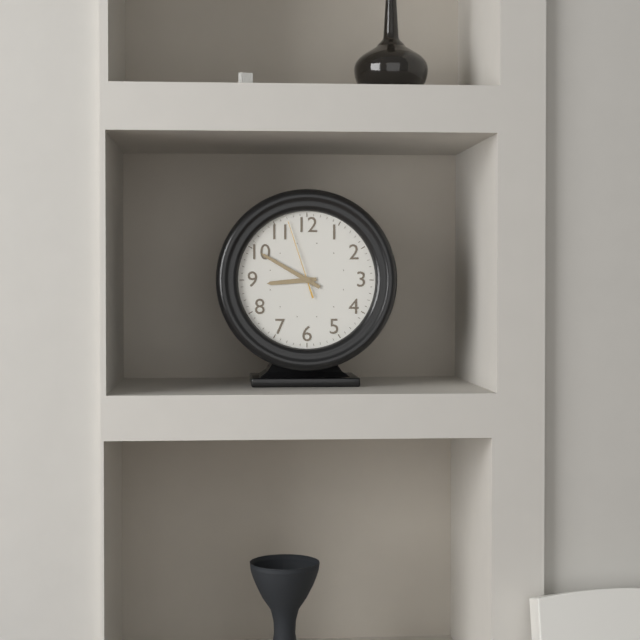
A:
h=8 m=50 s=57
